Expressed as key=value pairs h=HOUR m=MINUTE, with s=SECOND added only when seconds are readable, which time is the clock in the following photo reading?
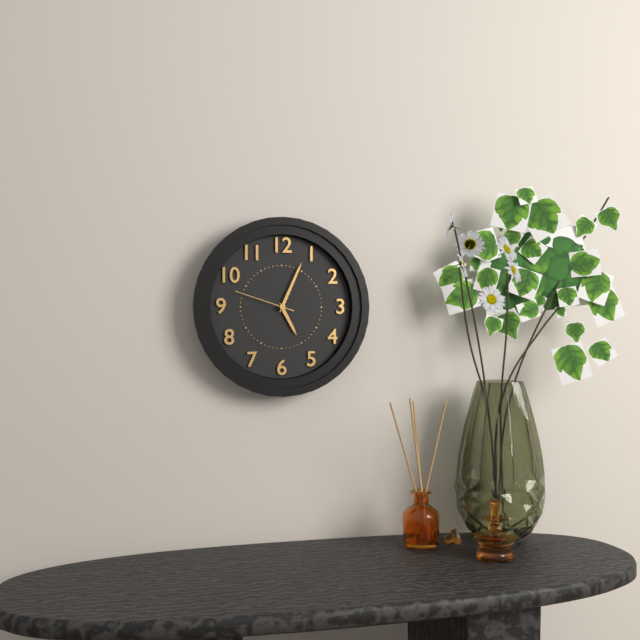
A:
h=5 m=4 s=48
